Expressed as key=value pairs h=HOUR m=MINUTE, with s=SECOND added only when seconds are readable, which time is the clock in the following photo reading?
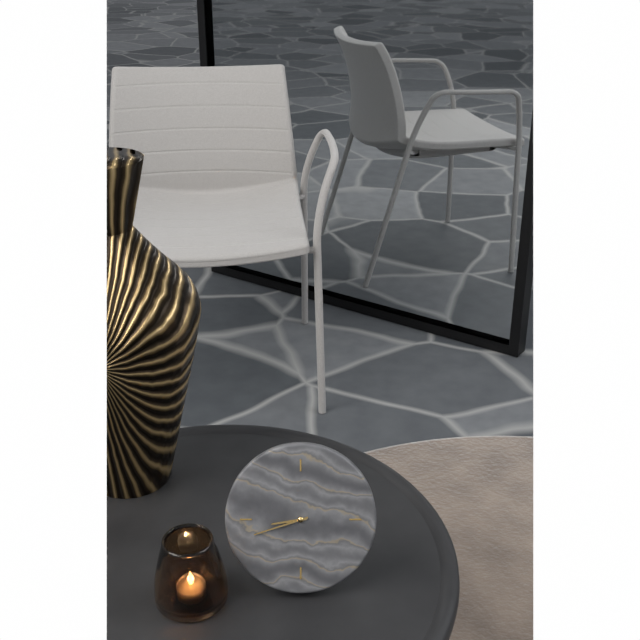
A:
h=8 m=42
